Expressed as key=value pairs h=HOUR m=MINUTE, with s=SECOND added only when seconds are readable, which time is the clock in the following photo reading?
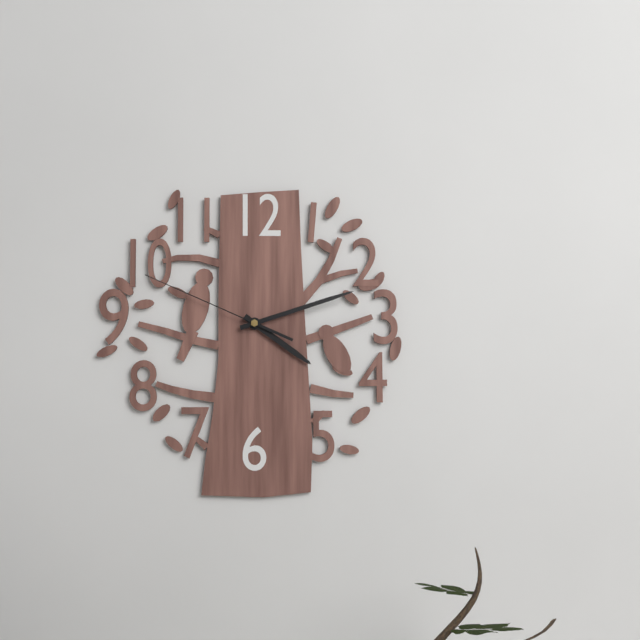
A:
h=4 m=12 s=49
